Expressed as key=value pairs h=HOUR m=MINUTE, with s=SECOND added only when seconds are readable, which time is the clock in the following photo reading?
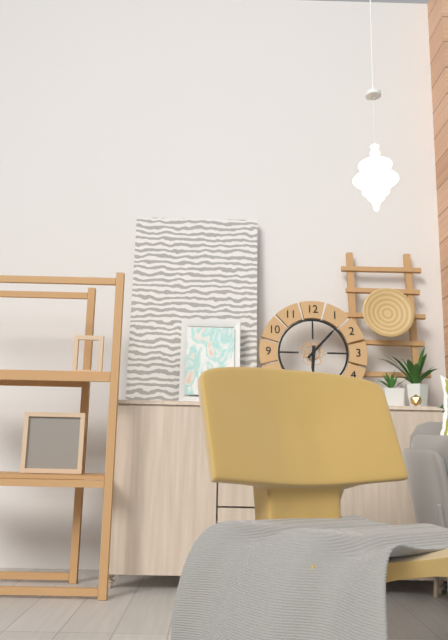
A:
h=6 m=7
